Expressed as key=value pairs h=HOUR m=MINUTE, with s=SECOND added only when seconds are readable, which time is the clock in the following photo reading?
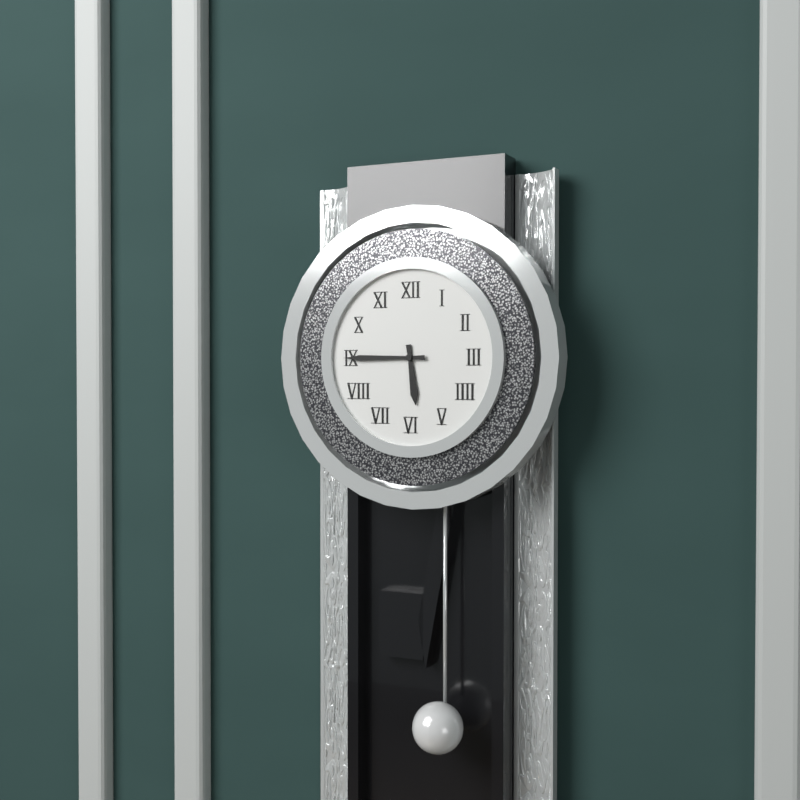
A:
h=5 m=45
